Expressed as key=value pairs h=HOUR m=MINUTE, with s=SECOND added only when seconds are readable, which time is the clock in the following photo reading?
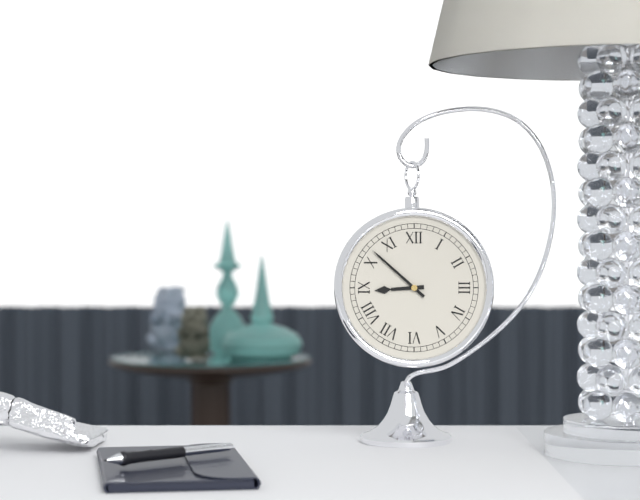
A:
h=8 m=52
